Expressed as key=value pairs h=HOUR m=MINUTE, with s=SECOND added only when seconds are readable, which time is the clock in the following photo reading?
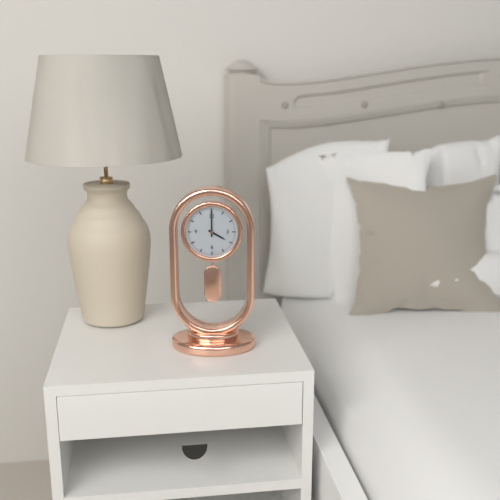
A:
h=4 m=0
